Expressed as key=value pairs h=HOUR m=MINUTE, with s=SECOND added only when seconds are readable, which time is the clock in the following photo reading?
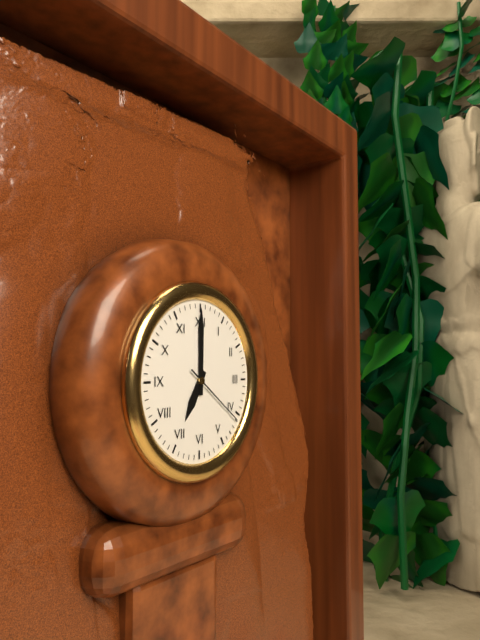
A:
h=7 m=0 s=21
